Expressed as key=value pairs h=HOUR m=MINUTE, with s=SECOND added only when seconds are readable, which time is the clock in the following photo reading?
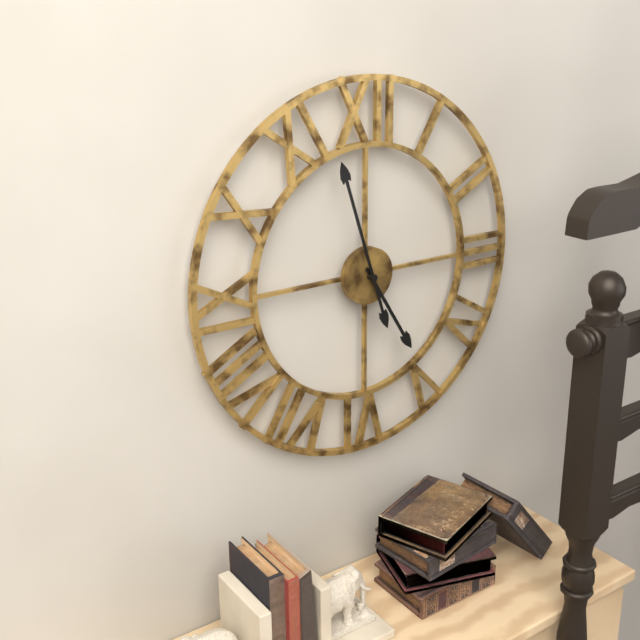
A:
h=4 m=57
